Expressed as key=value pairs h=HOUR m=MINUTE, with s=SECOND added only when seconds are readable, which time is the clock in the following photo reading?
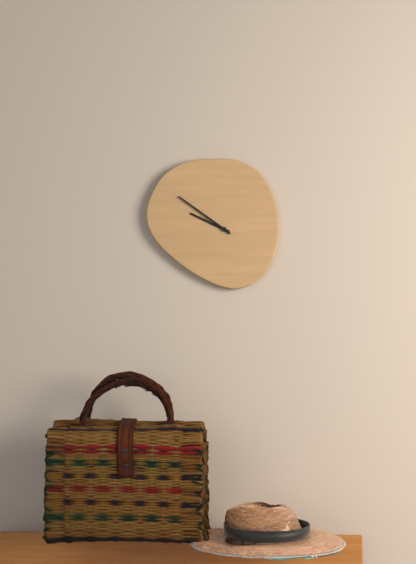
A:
h=9 m=51
